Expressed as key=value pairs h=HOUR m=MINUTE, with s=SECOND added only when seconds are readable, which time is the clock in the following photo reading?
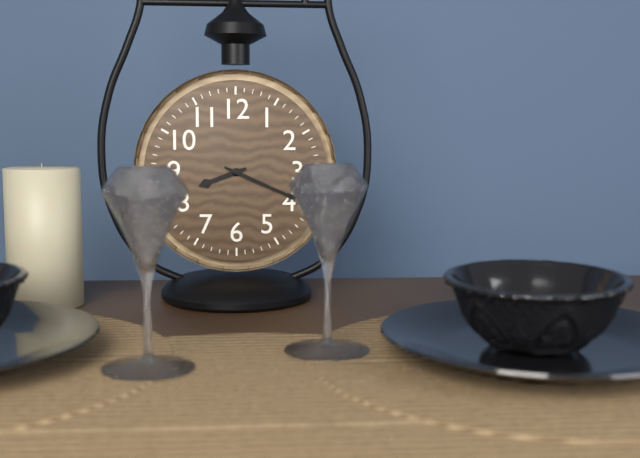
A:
h=8 m=19
